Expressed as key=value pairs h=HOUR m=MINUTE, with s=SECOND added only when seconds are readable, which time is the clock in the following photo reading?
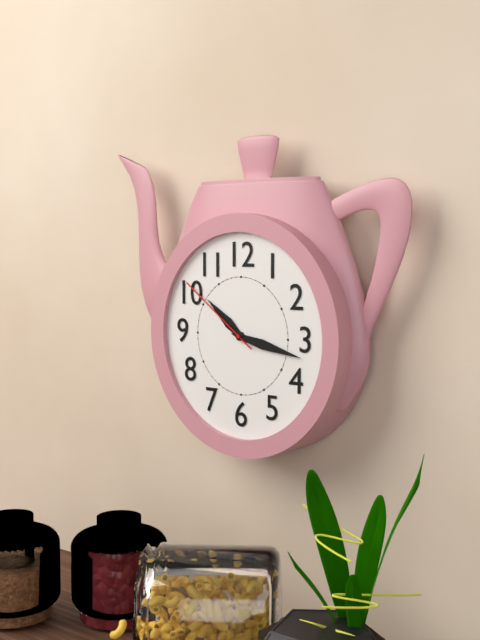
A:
h=10 m=17 s=51
